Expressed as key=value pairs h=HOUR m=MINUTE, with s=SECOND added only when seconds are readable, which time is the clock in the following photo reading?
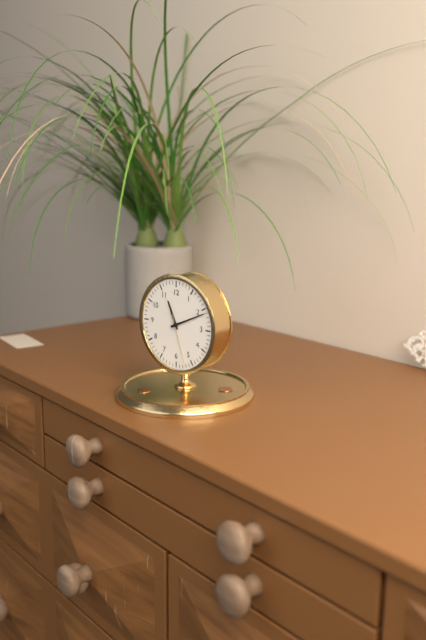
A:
h=11 m=11 s=27
